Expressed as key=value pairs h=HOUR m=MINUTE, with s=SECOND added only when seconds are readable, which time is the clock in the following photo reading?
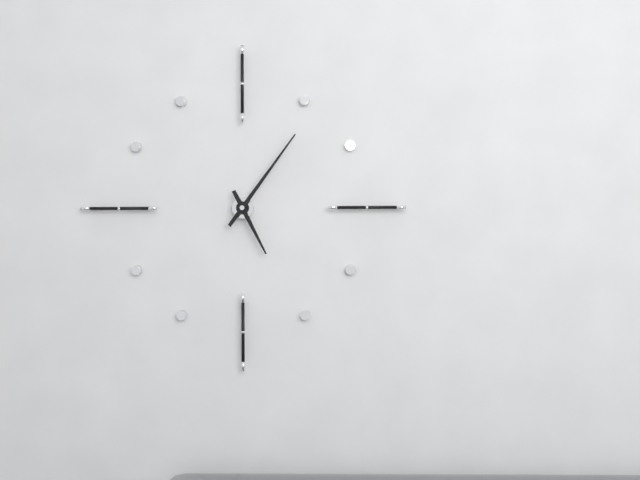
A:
h=5 m=6
